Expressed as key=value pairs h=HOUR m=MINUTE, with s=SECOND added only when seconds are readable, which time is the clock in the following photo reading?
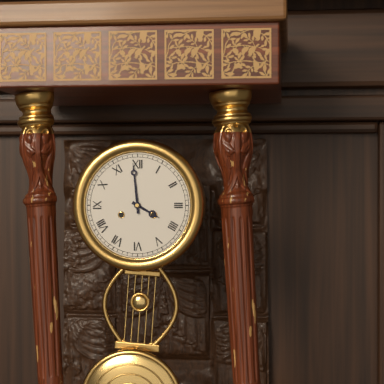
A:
h=3 m=59
